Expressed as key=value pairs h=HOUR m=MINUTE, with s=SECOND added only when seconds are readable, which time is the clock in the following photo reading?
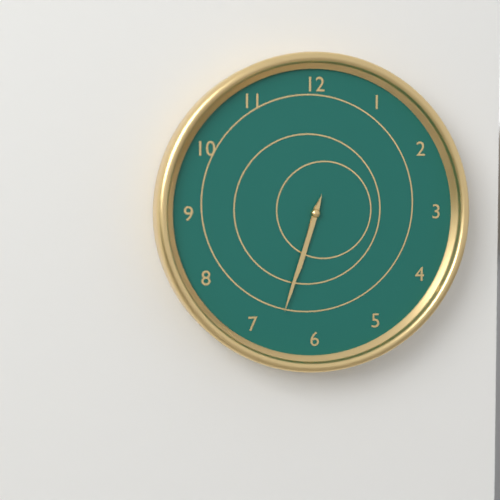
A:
h=6 m=33
